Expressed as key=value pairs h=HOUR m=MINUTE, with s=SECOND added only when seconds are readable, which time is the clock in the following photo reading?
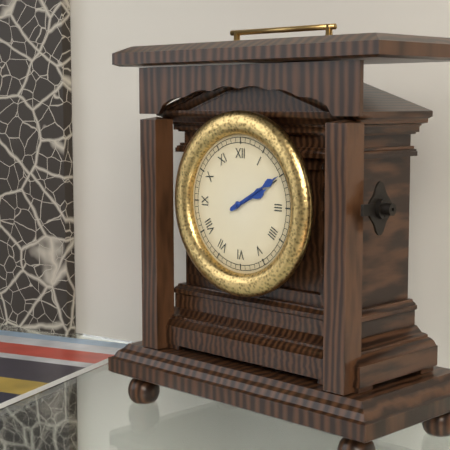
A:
h=2 m=10
